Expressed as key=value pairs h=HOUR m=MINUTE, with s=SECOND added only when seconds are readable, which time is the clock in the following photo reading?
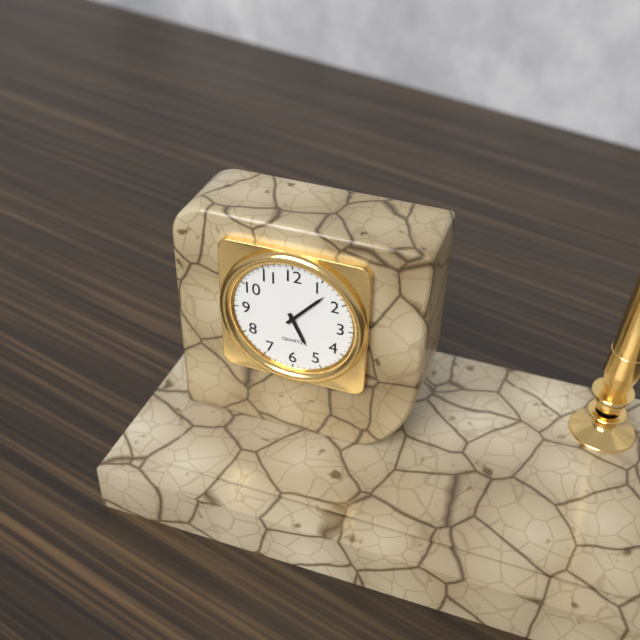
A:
h=5 m=7
